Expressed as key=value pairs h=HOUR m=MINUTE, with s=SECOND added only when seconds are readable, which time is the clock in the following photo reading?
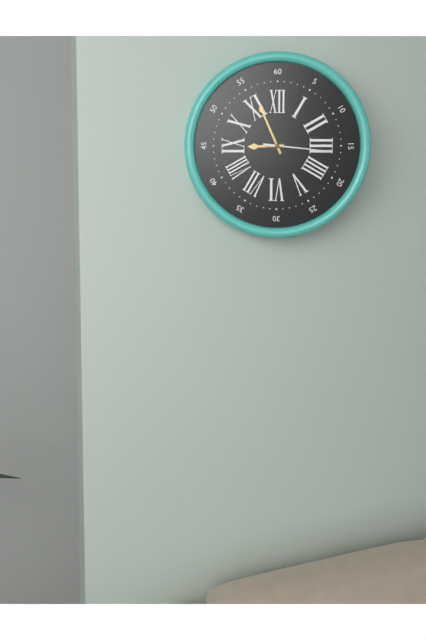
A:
h=8 m=56 s=16
